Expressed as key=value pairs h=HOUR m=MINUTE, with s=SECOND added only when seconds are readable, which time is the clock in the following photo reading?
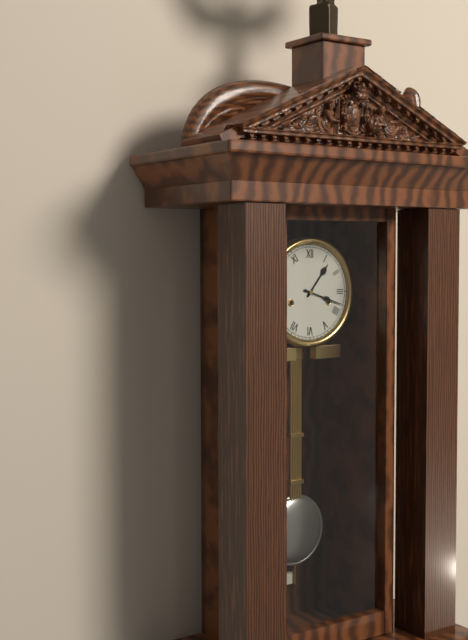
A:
h=1 m=18
